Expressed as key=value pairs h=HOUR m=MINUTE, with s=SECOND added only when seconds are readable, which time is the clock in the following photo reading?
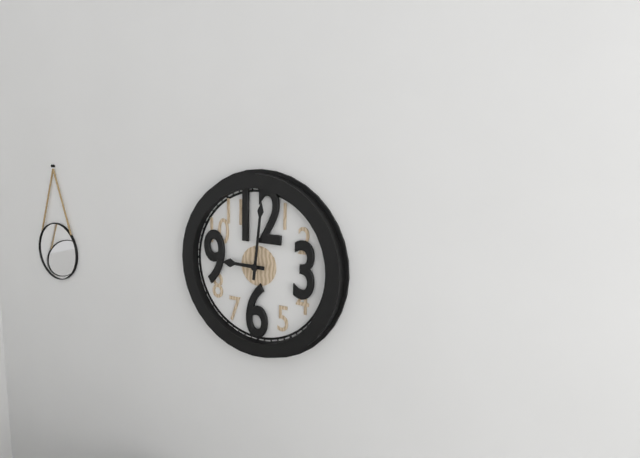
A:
h=9 m=1
